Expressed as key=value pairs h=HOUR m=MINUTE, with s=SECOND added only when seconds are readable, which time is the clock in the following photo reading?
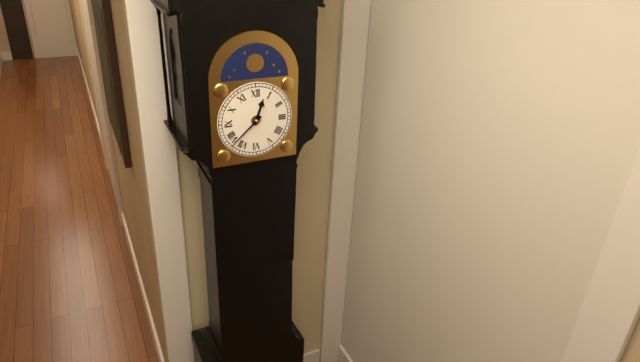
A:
h=12 m=38
